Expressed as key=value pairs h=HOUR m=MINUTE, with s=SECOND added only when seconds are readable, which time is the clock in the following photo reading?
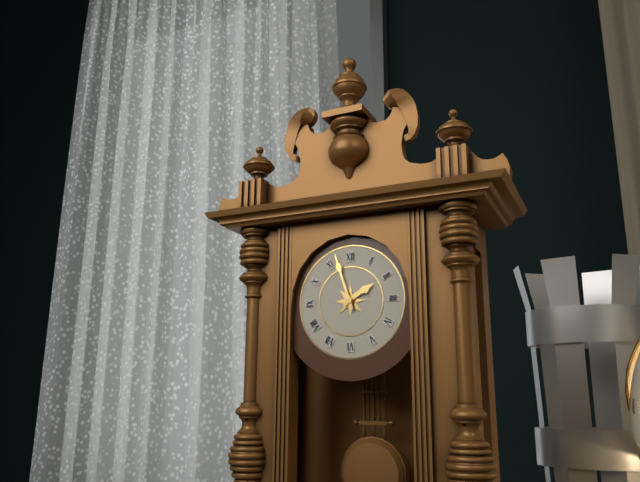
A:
h=1 m=57
